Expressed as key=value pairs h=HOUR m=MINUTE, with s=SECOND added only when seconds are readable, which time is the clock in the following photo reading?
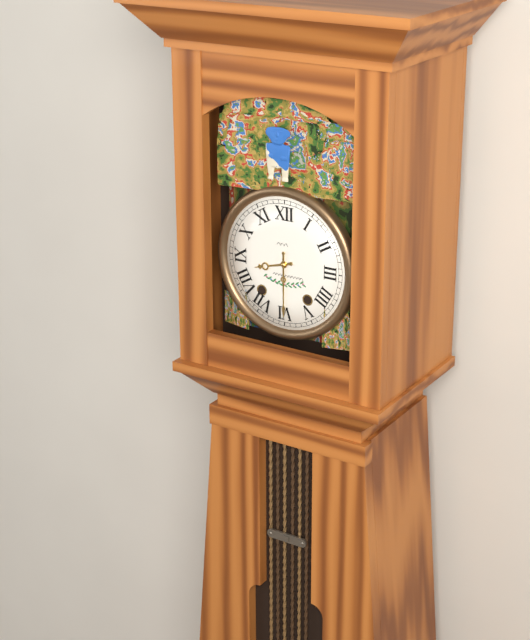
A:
h=8 m=30
